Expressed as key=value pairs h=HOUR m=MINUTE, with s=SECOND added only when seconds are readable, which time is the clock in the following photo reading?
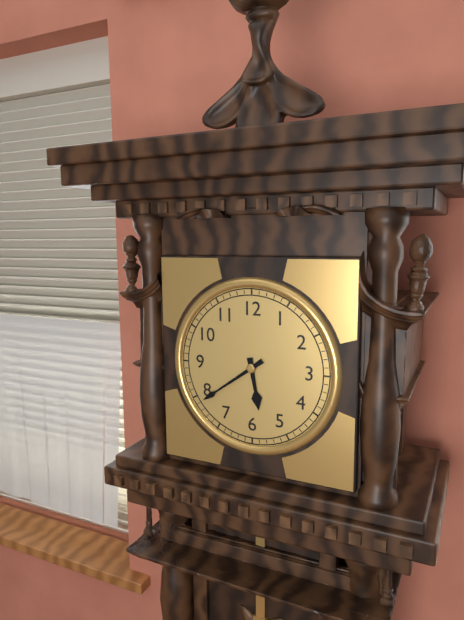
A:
h=5 m=39
